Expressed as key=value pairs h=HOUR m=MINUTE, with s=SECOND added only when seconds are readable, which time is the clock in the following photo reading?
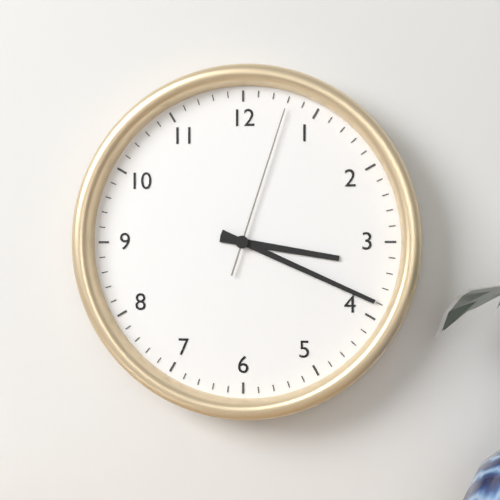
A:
h=3 m=19 s=3
